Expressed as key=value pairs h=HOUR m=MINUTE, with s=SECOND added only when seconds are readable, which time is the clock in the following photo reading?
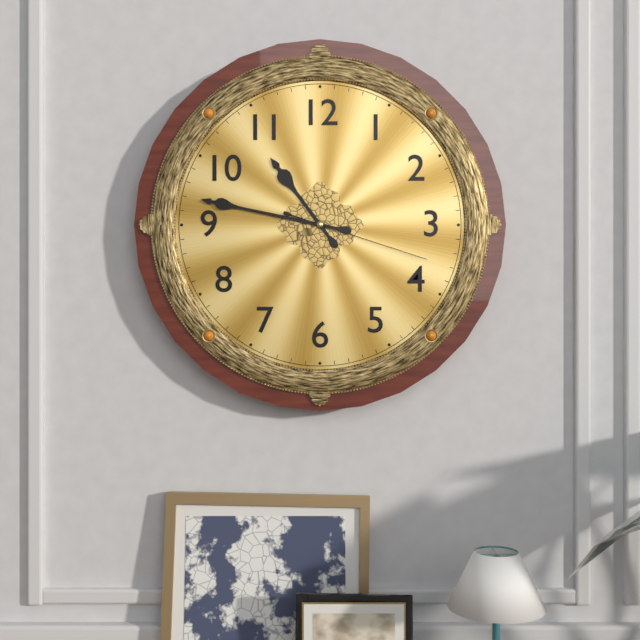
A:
h=10 m=47 s=18
